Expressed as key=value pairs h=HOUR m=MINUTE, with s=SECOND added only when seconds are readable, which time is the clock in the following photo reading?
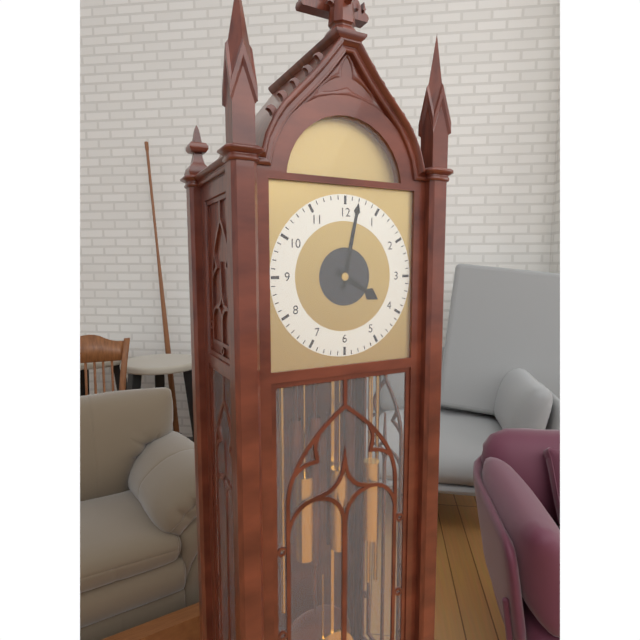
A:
h=4 m=2
